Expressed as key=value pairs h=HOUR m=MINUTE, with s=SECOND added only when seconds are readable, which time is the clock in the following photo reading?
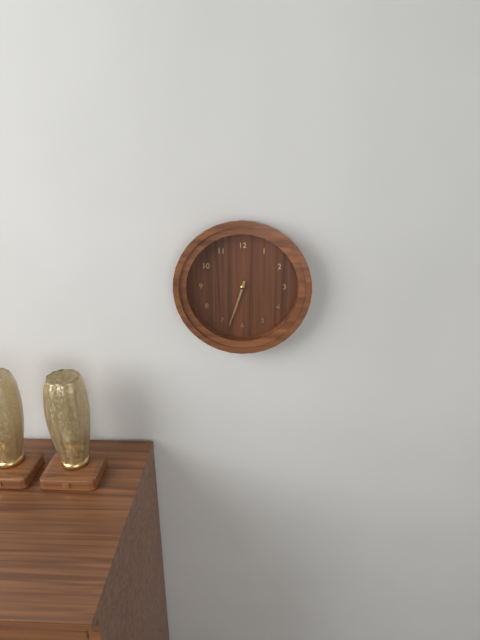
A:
h=6 m=33
